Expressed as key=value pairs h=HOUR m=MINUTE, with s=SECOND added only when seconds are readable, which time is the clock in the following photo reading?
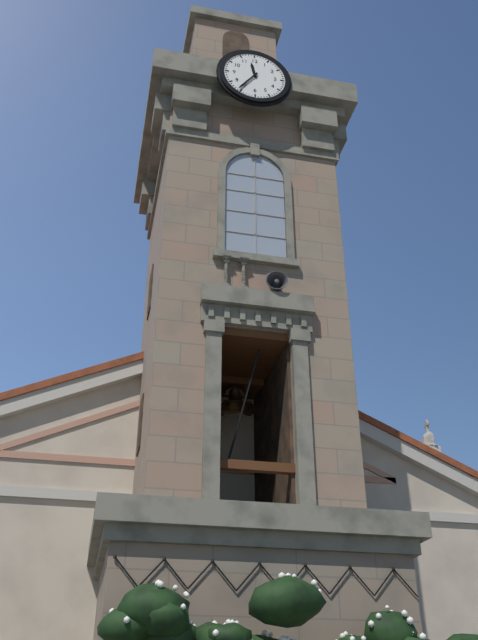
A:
h=11 m=36
